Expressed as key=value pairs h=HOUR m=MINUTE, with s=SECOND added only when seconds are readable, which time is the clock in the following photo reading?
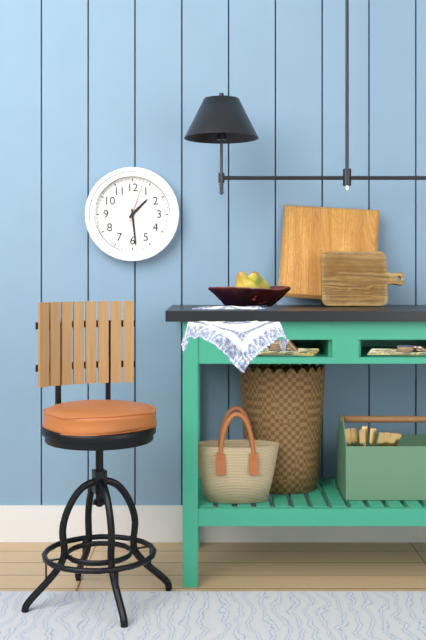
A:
h=1 m=29
